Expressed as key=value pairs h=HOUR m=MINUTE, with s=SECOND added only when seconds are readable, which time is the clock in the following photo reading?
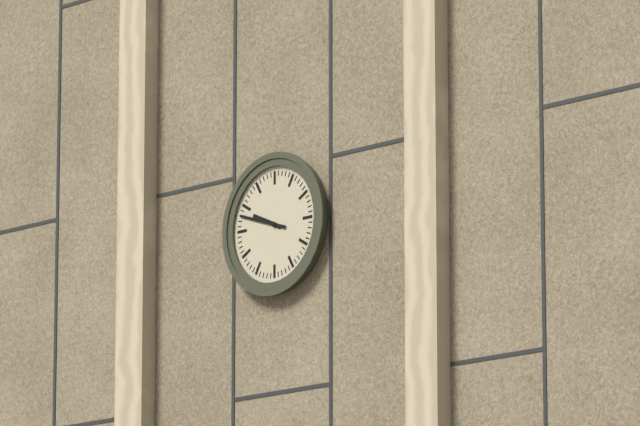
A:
h=9 m=48
